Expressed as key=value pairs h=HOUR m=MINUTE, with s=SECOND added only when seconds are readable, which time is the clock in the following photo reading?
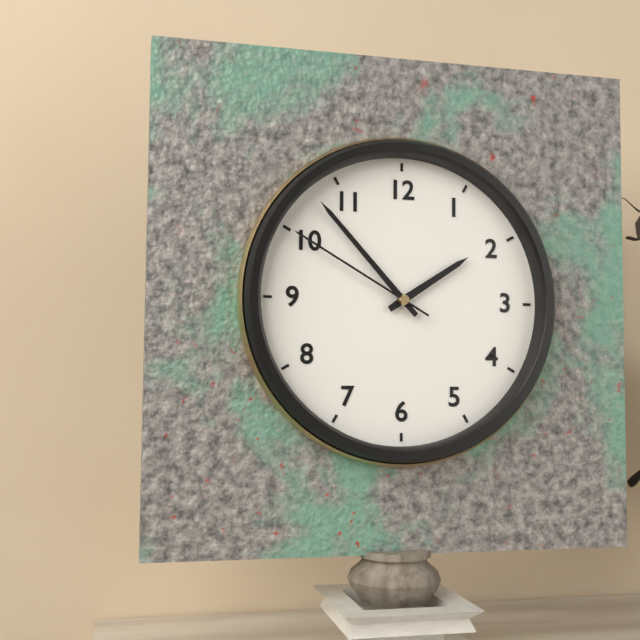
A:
h=1 m=53 s=50
